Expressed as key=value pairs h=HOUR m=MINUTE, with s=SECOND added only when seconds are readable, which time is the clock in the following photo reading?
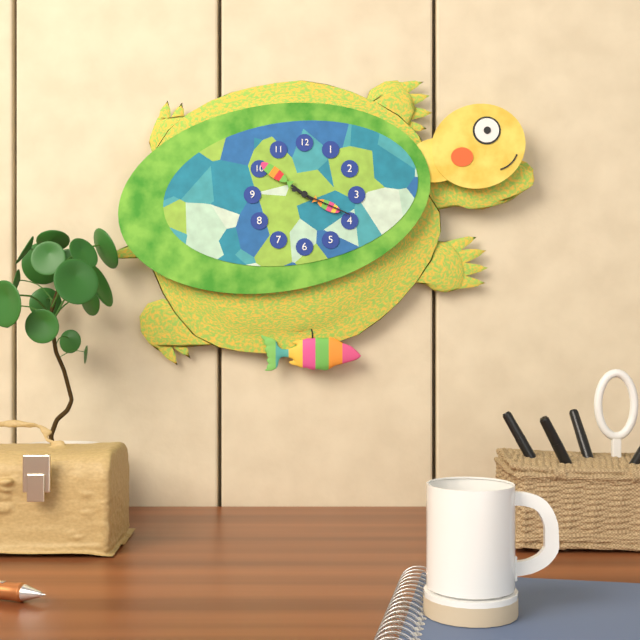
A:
h=3 m=51 s=19
